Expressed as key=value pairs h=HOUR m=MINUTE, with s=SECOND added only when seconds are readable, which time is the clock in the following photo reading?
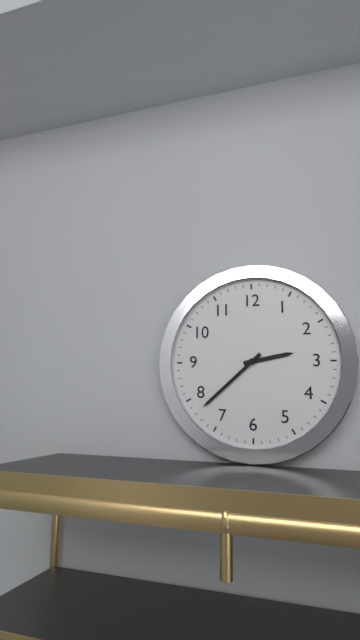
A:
h=2 m=38
